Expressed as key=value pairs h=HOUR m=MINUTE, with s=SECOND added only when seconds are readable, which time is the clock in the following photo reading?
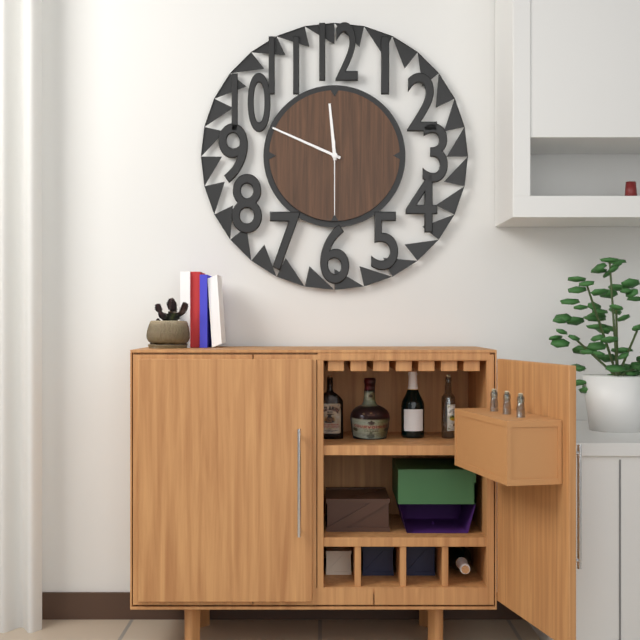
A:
h=11 m=49 s=30
